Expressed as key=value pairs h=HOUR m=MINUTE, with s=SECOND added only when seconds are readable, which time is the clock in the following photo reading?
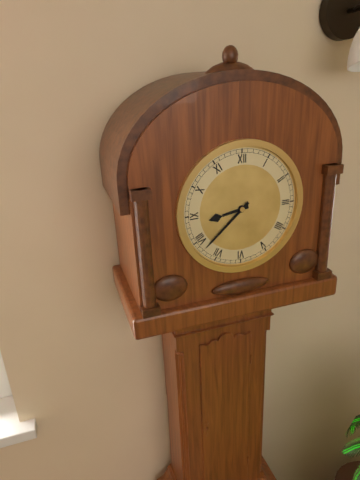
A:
h=8 m=38
